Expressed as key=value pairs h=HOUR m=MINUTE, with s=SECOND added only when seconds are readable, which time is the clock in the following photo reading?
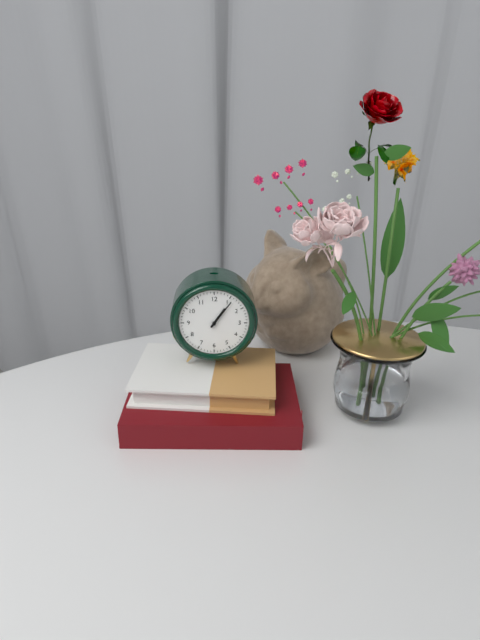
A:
h=1 m=6
